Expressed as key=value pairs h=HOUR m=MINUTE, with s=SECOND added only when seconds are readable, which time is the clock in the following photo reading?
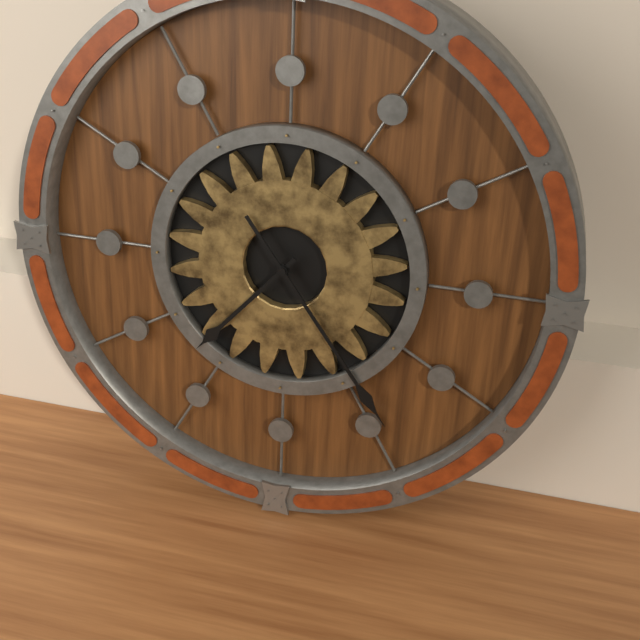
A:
h=7 m=24
